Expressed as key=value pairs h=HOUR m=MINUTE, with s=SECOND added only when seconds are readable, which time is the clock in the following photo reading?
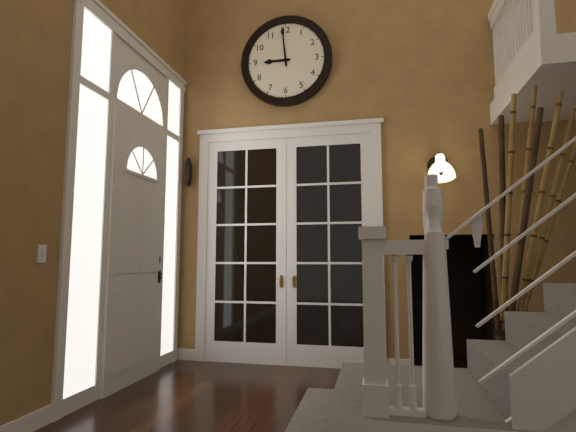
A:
h=8 m=59
